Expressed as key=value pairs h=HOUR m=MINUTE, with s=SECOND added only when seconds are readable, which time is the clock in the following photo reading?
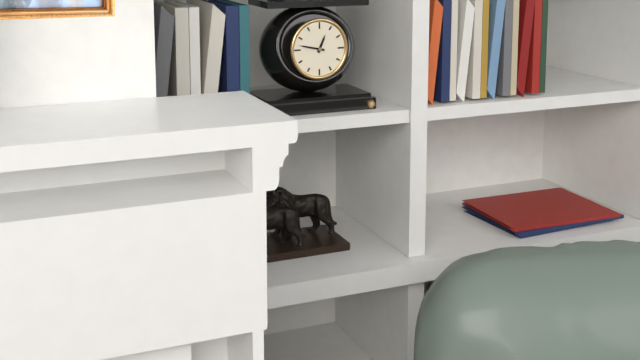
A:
h=12 m=47
